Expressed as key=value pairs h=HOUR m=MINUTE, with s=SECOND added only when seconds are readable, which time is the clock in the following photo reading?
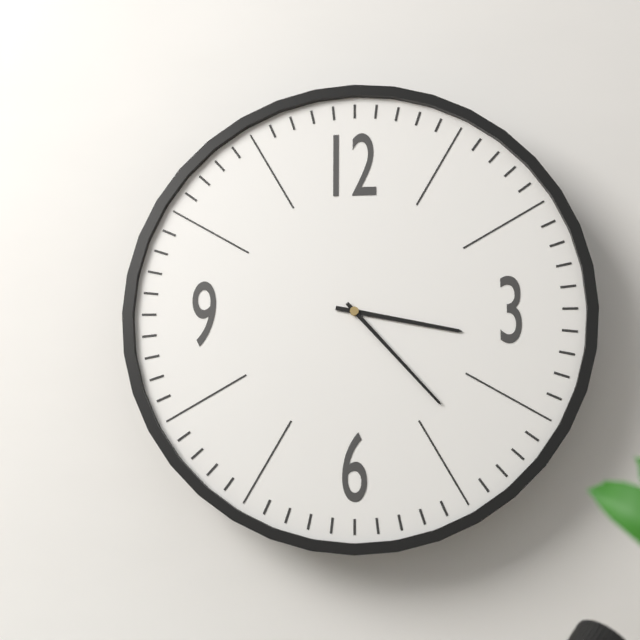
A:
h=3 m=23
